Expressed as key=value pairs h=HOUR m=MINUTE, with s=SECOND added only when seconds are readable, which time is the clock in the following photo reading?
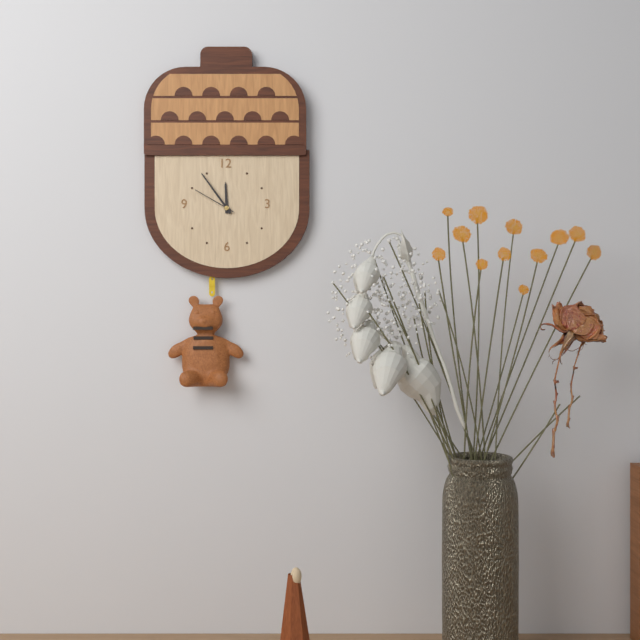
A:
h=11 m=54
